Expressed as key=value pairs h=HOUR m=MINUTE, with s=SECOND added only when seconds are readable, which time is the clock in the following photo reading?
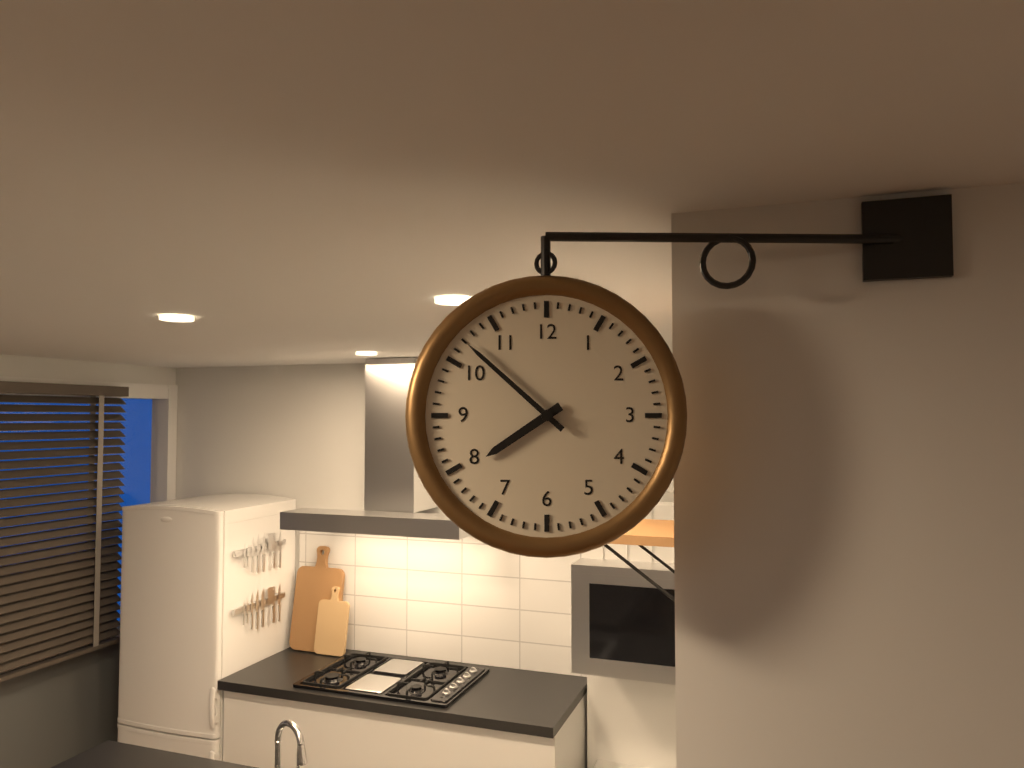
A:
h=7 m=52
